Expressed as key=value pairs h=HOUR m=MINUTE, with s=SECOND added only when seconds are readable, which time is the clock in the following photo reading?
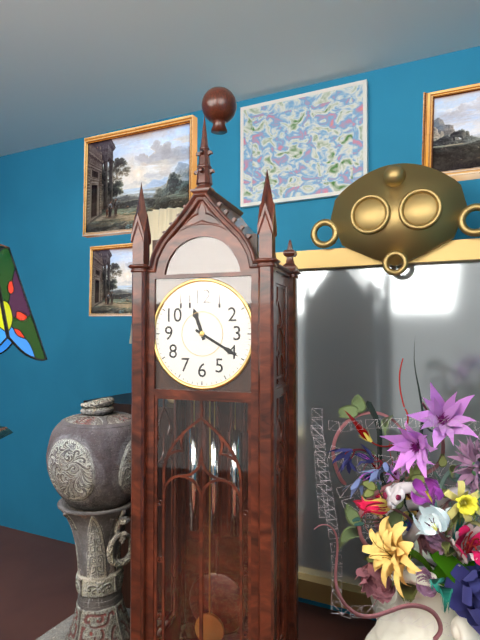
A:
h=11 m=20
